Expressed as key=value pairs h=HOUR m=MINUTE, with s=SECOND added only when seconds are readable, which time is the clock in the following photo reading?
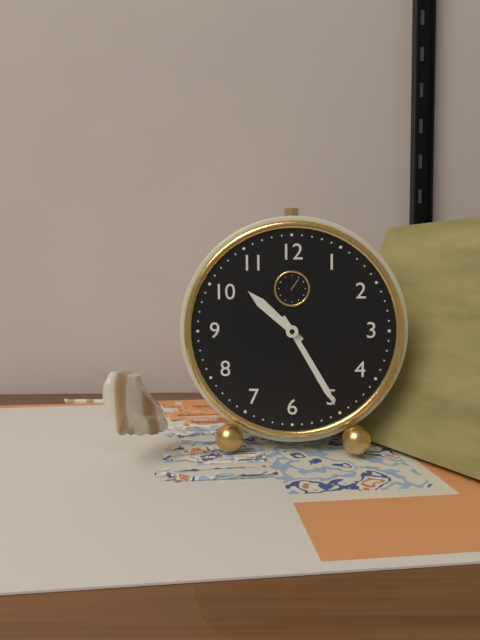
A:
h=10 m=25
